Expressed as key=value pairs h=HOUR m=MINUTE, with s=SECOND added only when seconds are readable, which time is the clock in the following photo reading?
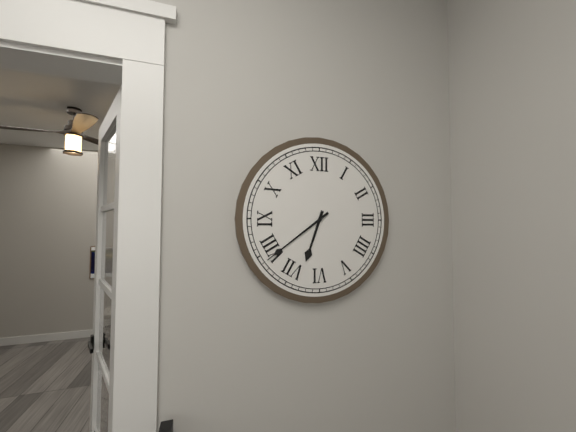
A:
h=6 m=39
